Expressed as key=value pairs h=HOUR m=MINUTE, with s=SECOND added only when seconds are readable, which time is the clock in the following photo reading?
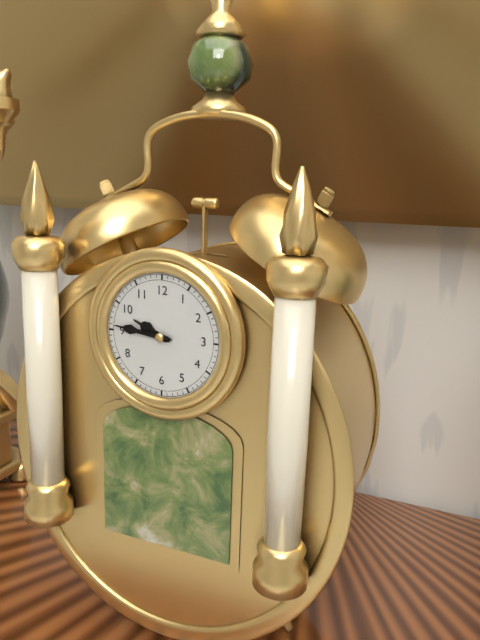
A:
h=9 m=46
